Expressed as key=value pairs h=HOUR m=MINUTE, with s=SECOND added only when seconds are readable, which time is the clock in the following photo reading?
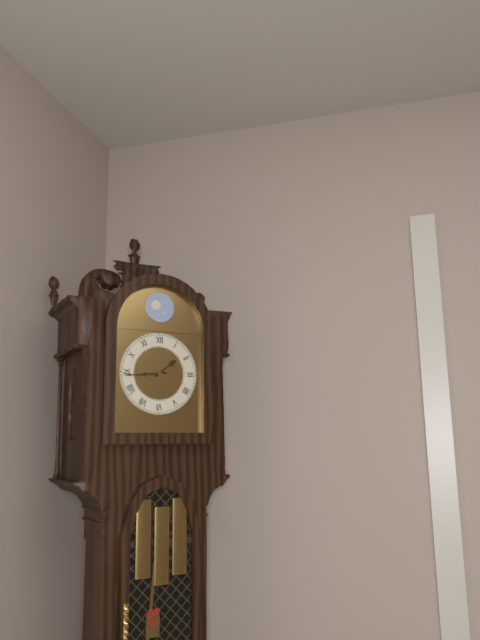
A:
h=1 m=44
